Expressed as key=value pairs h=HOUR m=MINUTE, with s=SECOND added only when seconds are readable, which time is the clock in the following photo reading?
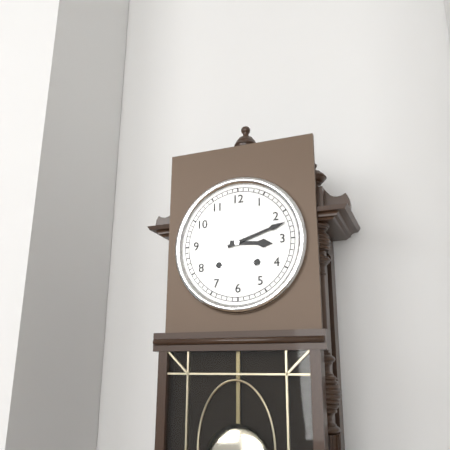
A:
h=3 m=12
